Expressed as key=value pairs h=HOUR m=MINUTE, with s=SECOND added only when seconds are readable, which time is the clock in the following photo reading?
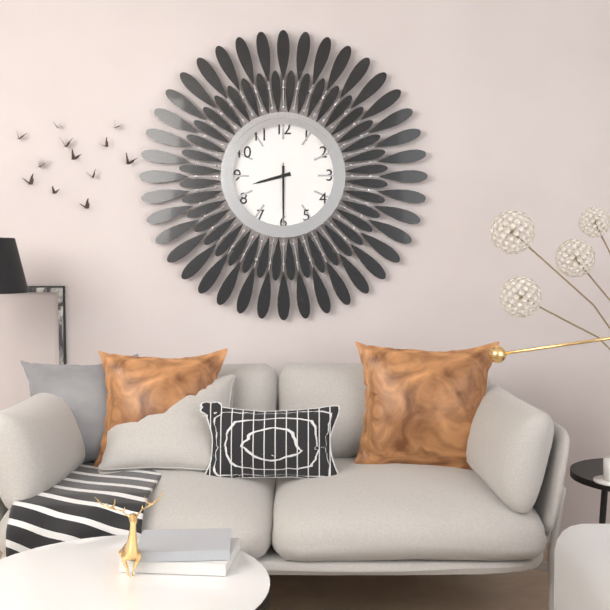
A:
h=8 m=30 s=30
